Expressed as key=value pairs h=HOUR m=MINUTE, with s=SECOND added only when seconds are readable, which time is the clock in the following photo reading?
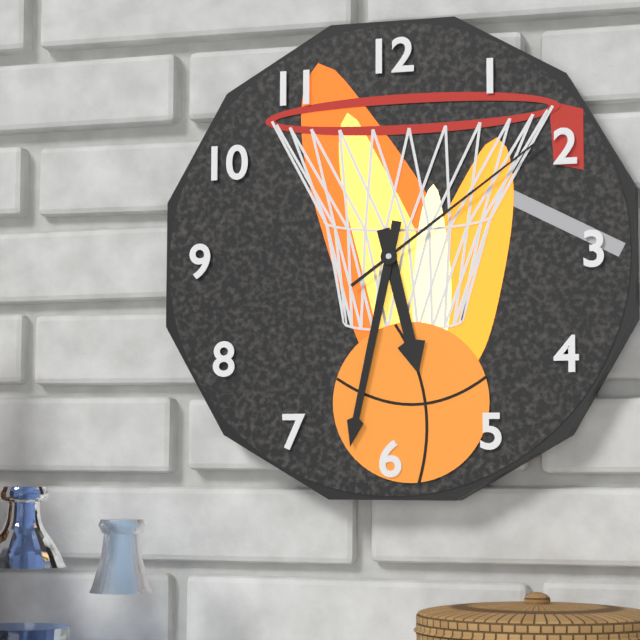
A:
h=5 m=32 s=9
